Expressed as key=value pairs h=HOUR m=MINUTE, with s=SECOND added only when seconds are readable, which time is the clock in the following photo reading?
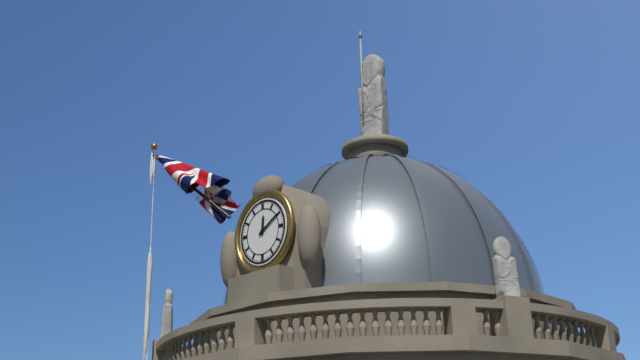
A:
h=12 m=10
